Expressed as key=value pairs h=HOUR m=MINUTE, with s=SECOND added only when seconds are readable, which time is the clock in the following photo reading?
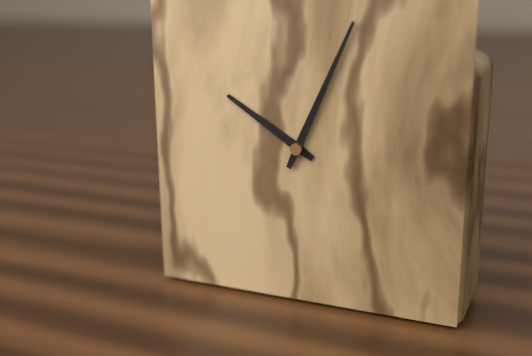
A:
h=10 m=4
